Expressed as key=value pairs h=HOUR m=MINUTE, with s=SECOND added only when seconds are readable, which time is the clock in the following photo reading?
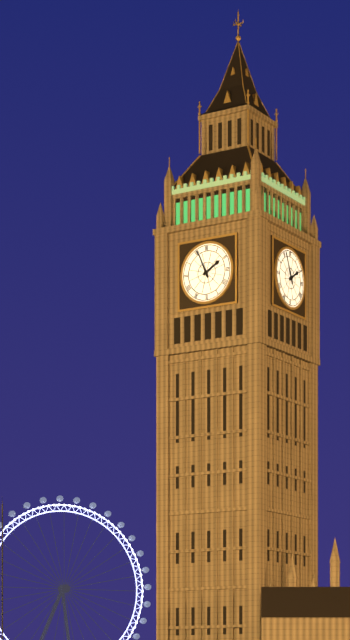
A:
h=1 m=56
